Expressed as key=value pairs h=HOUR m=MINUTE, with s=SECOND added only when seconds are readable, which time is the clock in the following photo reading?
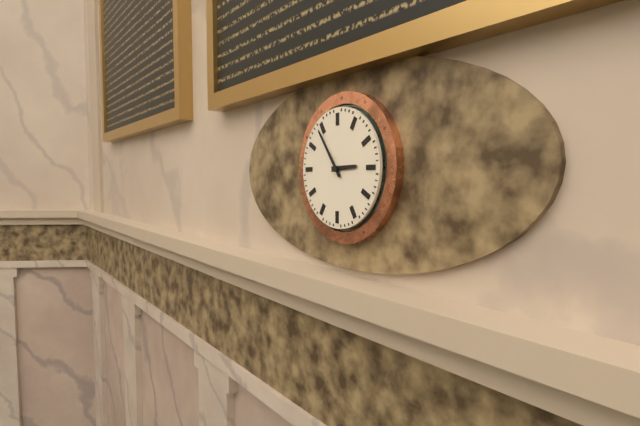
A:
h=2 m=54
